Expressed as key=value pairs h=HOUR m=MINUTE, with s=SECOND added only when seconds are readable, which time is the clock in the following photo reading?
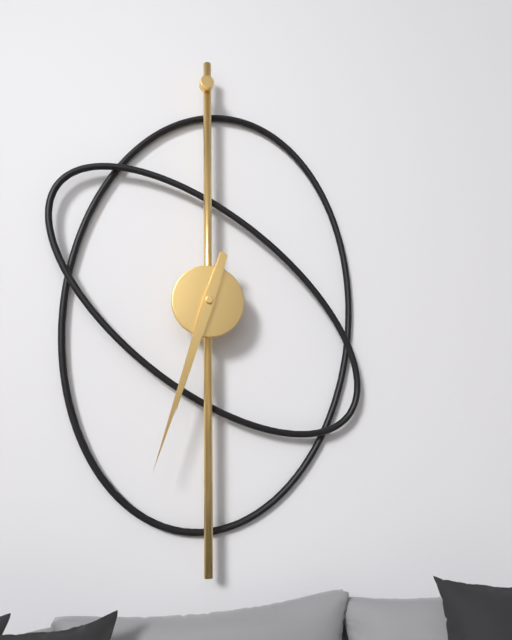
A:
h=6 m=33
